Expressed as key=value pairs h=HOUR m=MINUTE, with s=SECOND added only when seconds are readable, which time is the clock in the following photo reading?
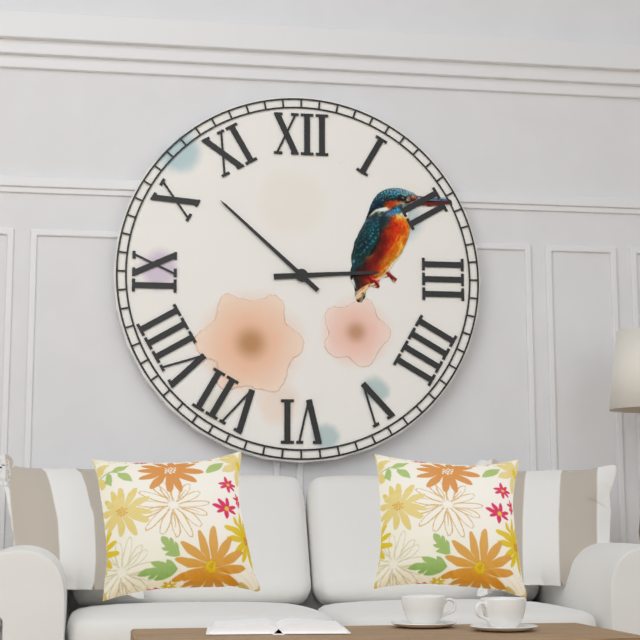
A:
h=2 m=52
